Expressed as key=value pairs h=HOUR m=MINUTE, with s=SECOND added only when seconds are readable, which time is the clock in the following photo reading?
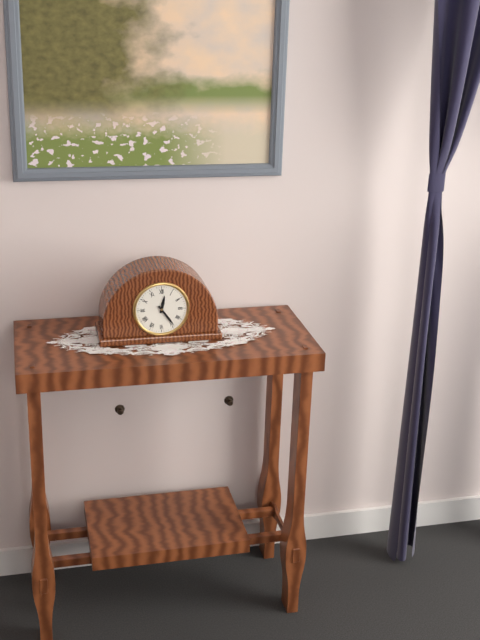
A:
h=12 m=24
